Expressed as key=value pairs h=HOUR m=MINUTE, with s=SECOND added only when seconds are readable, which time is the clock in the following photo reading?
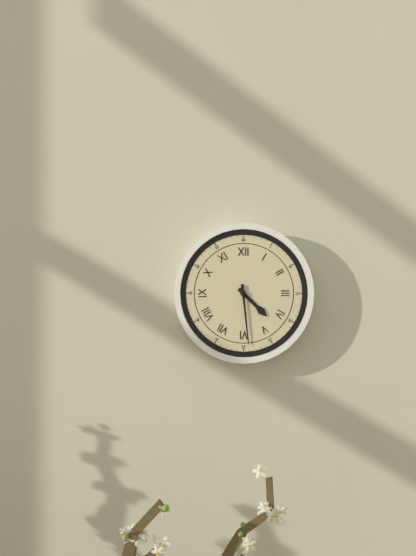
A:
h=4 m=29
